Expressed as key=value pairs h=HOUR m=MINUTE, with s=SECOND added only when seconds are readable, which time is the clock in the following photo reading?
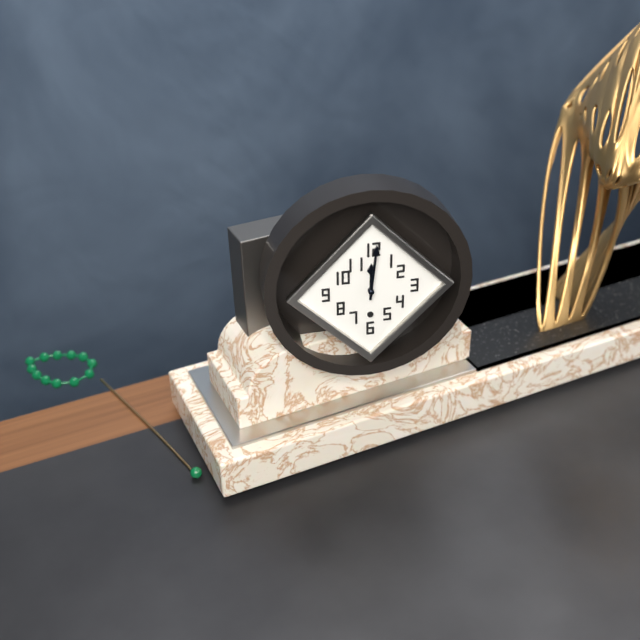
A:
h=12 m=1
